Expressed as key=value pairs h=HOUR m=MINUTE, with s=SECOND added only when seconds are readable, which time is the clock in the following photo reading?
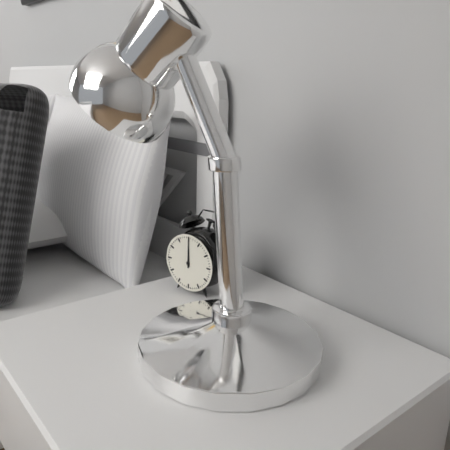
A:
h=12 m=0
